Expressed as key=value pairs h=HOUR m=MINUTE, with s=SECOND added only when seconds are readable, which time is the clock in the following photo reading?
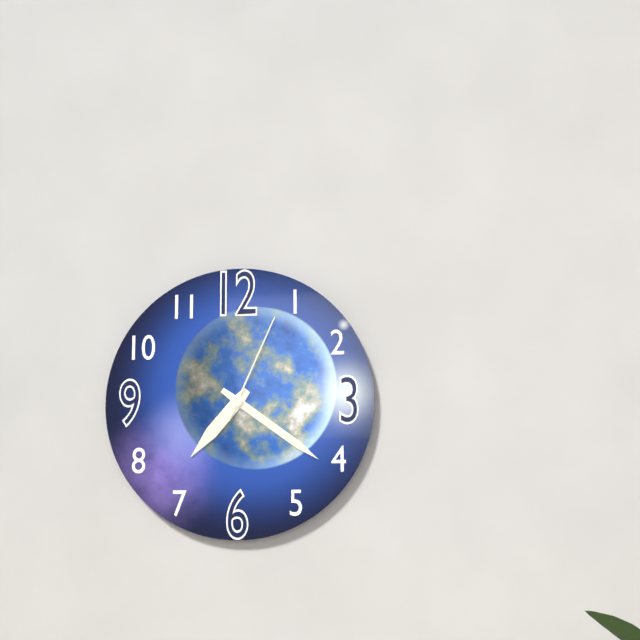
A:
h=7 m=21 s=4
